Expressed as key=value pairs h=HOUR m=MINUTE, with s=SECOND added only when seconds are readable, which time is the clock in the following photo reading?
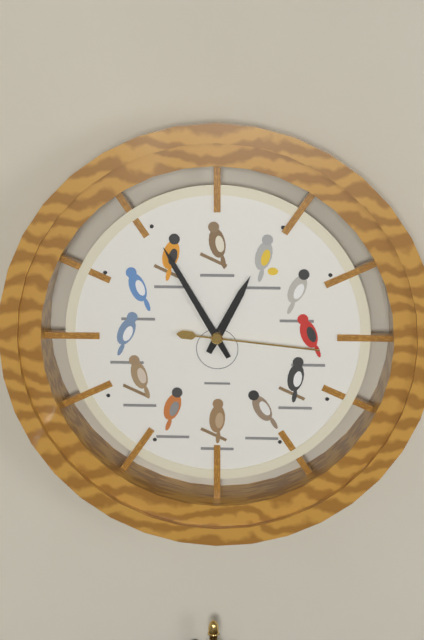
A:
h=12 m=55 s=16
